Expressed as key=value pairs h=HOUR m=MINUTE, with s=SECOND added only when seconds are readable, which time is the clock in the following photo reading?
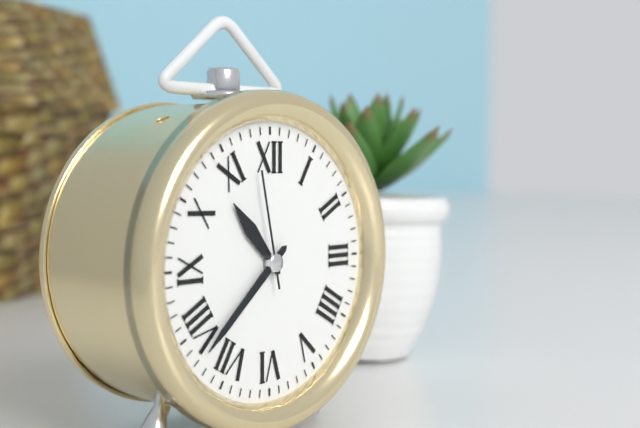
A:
h=10 m=38 s=58
